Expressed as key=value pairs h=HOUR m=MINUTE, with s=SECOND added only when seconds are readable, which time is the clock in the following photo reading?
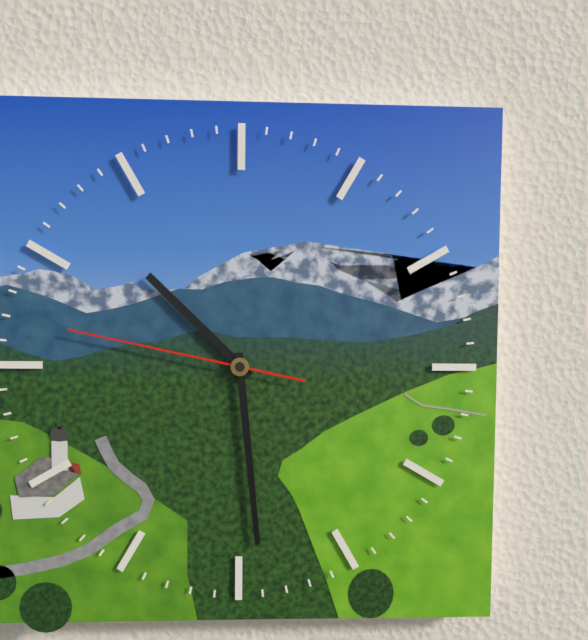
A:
h=10 m=29 s=47
